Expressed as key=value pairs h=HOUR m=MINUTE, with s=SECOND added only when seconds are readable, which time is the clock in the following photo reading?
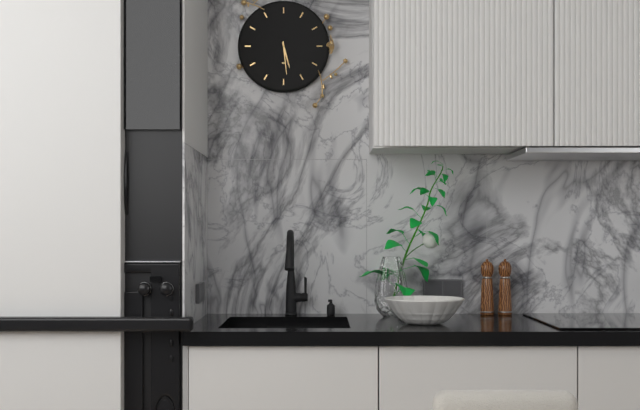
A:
h=5 m=29
